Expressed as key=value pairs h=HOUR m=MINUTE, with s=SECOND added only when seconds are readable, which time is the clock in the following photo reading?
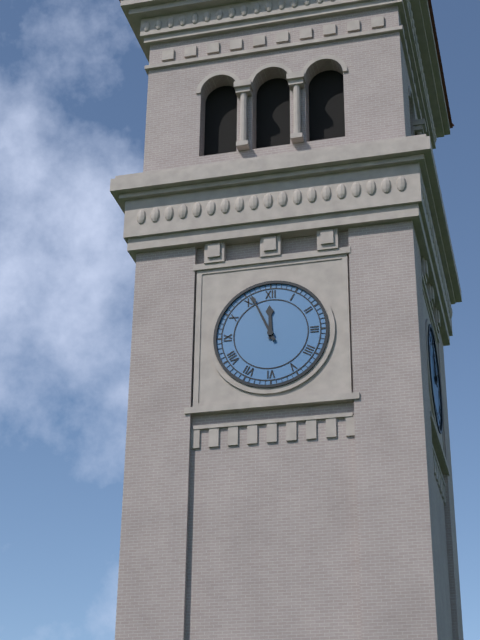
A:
h=11 m=56
